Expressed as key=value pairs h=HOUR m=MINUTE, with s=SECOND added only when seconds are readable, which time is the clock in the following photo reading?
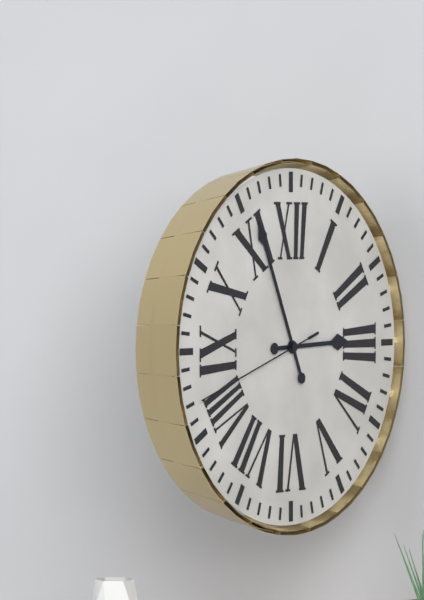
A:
h=2 m=56 s=42
